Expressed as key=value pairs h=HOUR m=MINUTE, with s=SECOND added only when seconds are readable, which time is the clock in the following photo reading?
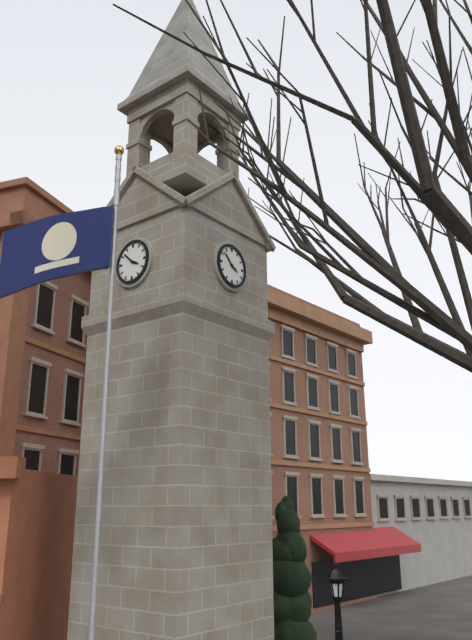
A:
h=3 m=52
